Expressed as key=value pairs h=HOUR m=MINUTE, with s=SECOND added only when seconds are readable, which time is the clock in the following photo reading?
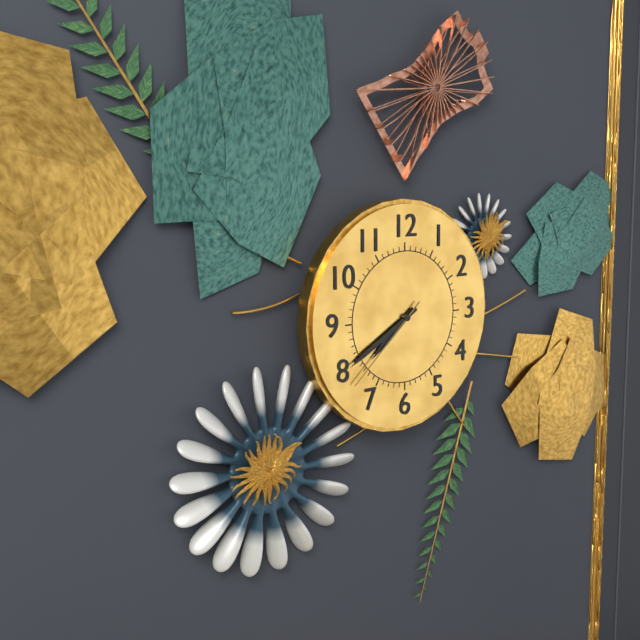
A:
h=7 m=40 s=38
